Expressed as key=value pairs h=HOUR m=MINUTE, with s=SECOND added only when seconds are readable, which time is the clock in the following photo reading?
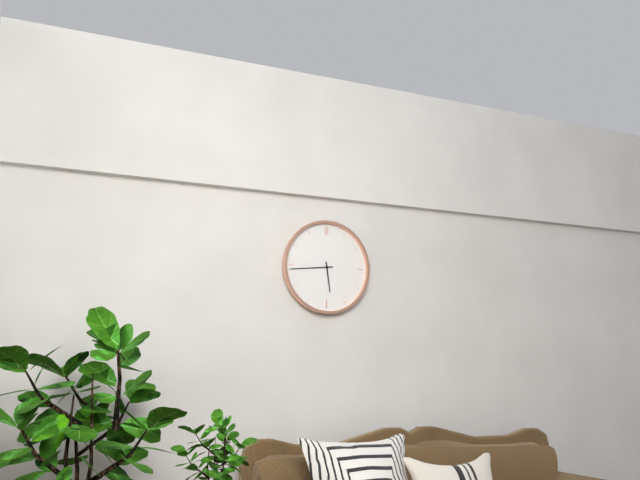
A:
h=5 m=44
